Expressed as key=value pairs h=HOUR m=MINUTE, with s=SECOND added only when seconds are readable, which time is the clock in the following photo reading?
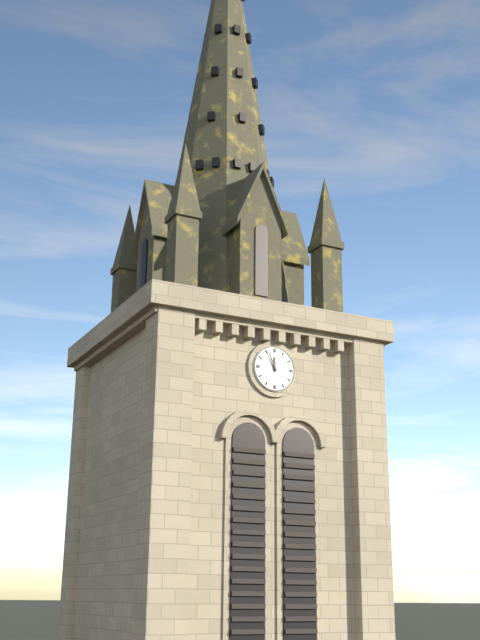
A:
h=11 m=56
